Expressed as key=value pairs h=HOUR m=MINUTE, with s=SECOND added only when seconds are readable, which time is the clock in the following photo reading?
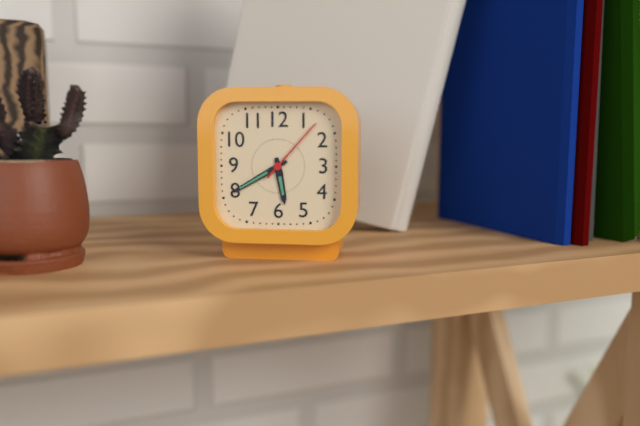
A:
h=5 m=40 s=7
